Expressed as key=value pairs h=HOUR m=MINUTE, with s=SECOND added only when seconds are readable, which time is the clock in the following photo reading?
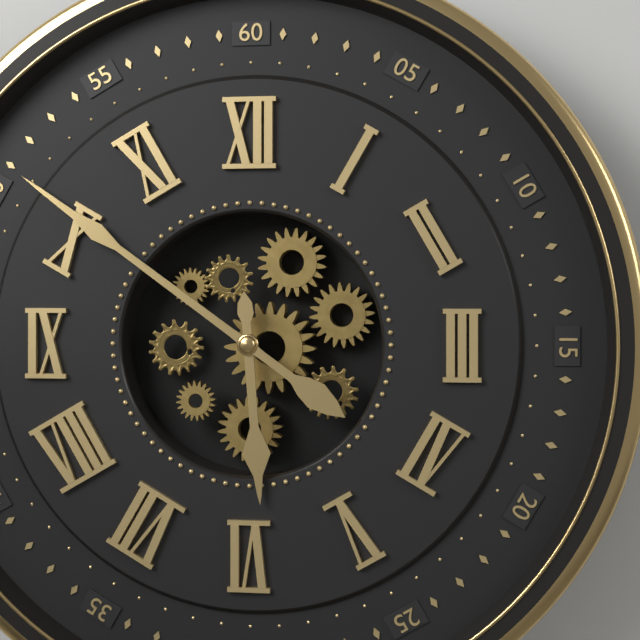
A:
h=5 m=51
